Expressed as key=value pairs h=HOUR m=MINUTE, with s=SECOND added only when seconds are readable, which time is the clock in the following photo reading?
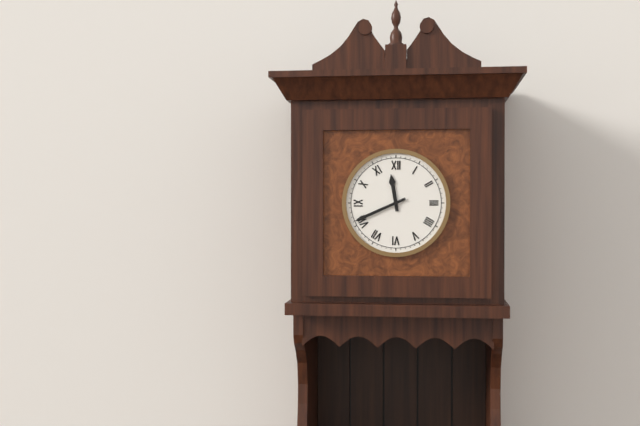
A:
h=11 m=41
